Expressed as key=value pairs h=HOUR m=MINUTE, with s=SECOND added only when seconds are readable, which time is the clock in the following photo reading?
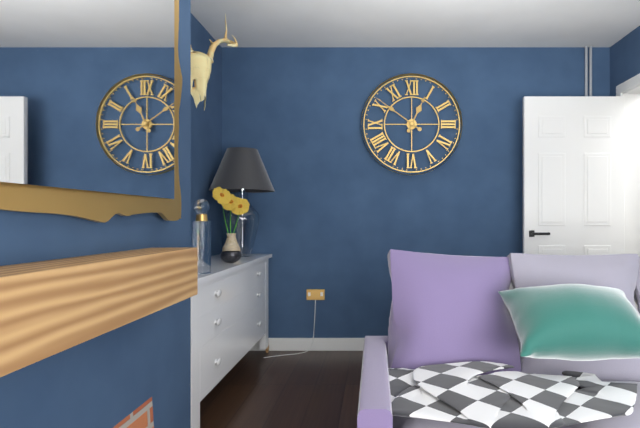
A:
h=12 m=51
